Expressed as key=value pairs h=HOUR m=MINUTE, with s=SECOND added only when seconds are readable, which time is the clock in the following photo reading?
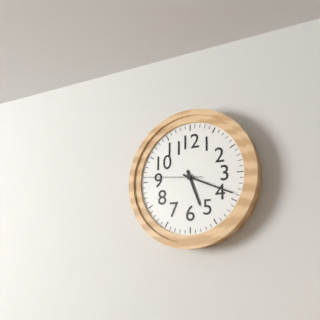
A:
h=5 m=19 s=46
